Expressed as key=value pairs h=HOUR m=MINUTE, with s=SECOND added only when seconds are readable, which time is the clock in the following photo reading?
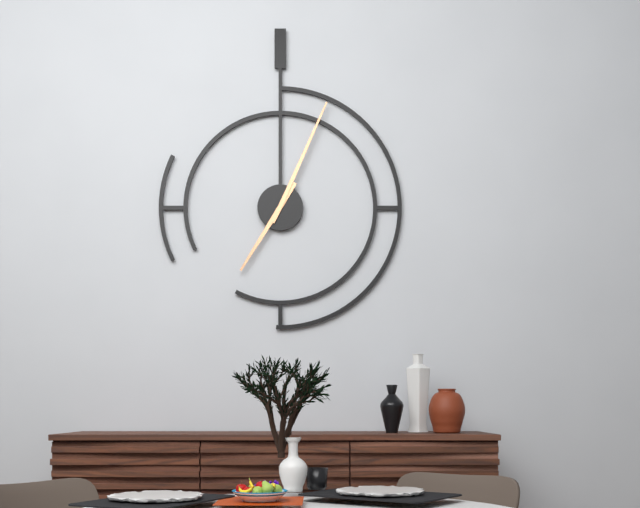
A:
h=7 m=4
